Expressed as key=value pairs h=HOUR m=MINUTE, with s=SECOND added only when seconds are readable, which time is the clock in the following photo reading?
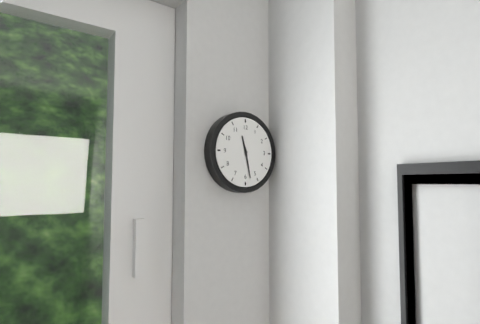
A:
h=11 m=28
